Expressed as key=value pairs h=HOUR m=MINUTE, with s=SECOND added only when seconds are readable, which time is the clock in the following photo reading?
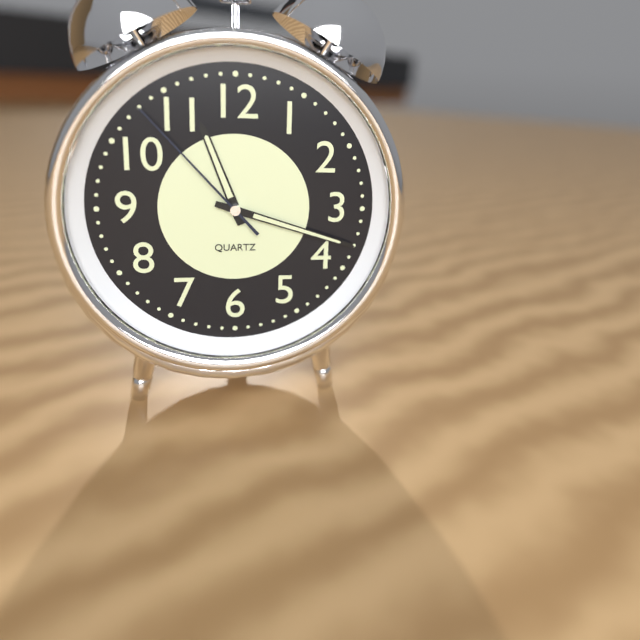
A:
h=11 m=18 s=53
